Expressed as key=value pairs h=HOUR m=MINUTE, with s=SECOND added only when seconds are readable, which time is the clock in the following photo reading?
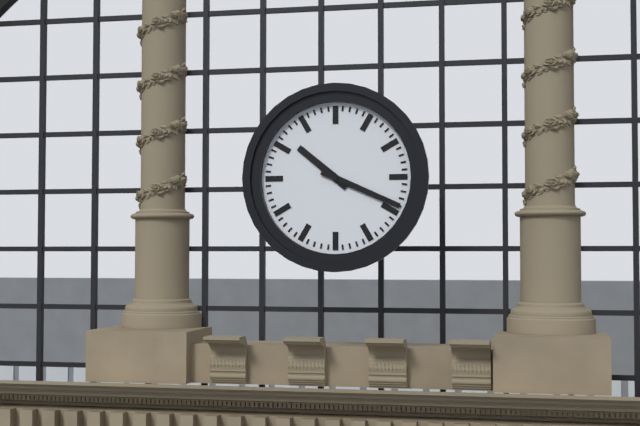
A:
h=10 m=19
